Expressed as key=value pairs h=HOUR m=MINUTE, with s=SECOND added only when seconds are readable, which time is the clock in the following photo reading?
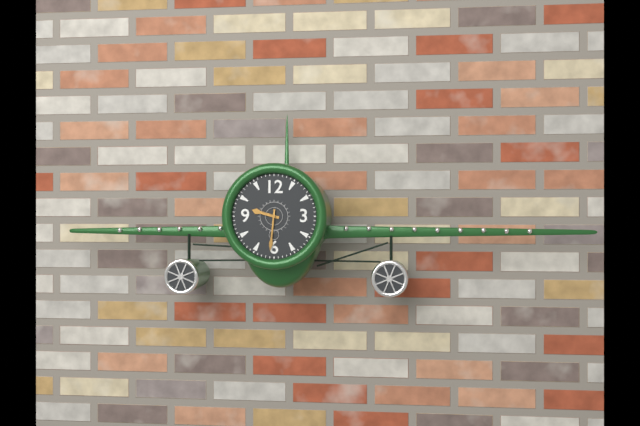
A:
h=9 m=31
